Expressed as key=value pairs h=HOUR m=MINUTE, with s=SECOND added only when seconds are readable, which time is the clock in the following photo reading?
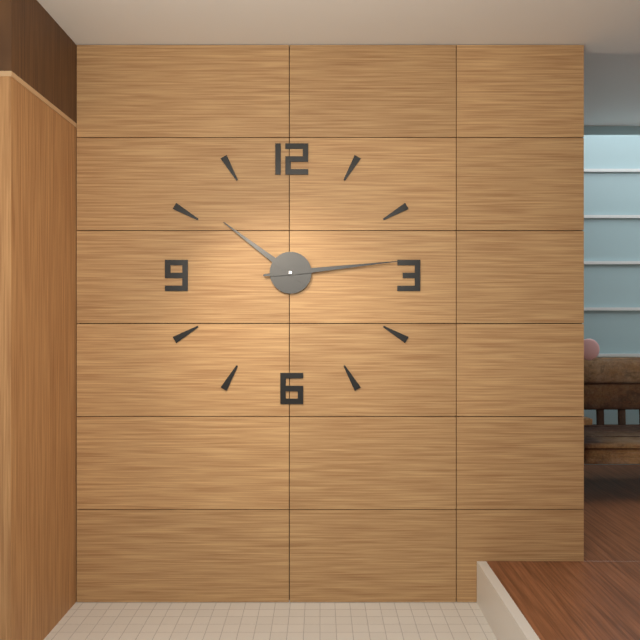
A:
h=10 m=14
